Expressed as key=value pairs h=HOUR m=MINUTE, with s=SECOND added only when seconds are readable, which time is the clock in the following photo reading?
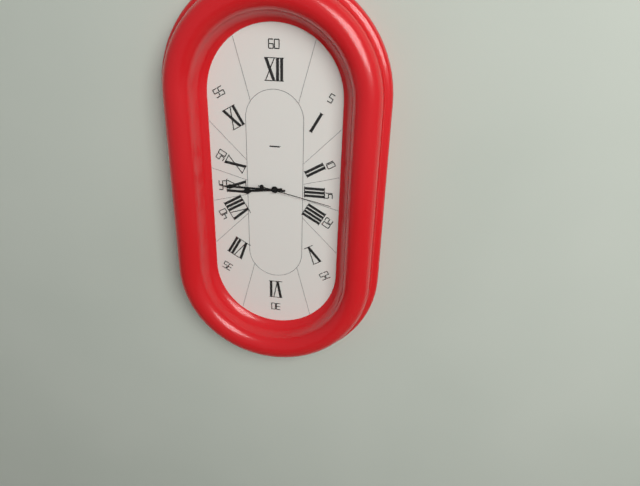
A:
h=8 m=45 s=17
